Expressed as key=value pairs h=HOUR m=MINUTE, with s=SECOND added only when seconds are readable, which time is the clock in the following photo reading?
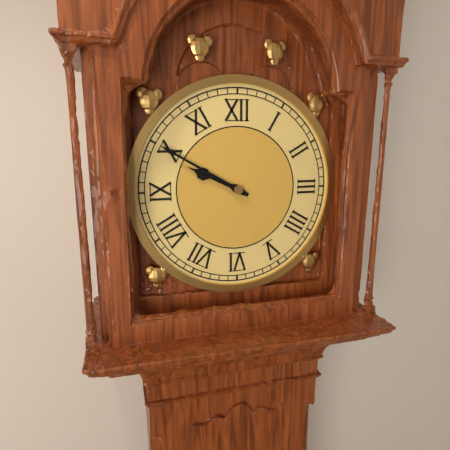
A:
h=9 m=50
